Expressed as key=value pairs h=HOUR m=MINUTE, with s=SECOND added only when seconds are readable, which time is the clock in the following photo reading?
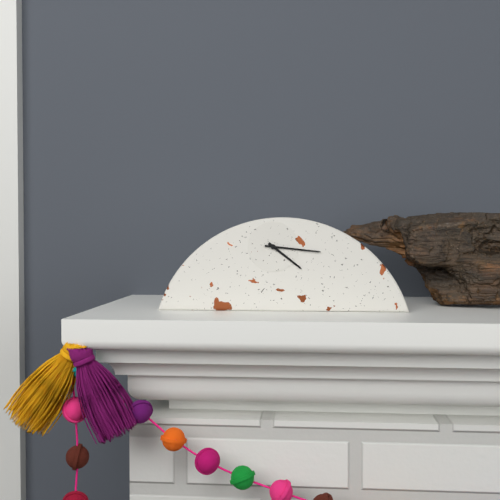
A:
h=4 m=16
